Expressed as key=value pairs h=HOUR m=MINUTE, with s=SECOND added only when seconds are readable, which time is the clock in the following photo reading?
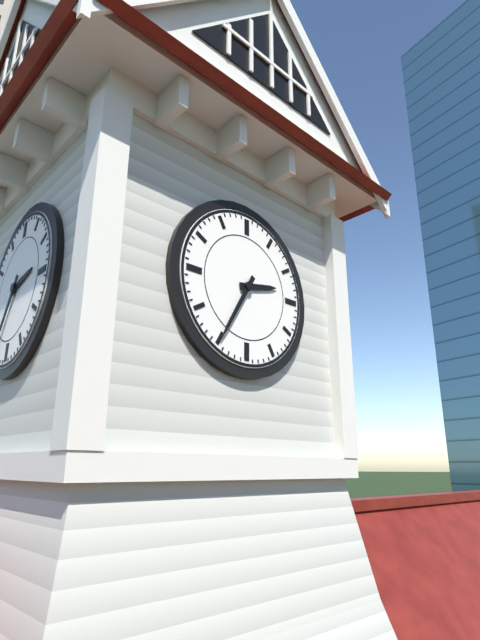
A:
h=2 m=35
